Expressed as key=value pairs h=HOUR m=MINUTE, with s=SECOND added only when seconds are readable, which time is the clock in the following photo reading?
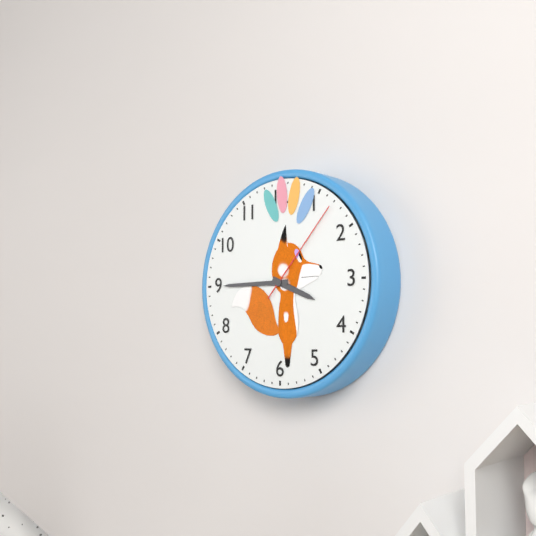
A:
h=3 m=45 s=7
